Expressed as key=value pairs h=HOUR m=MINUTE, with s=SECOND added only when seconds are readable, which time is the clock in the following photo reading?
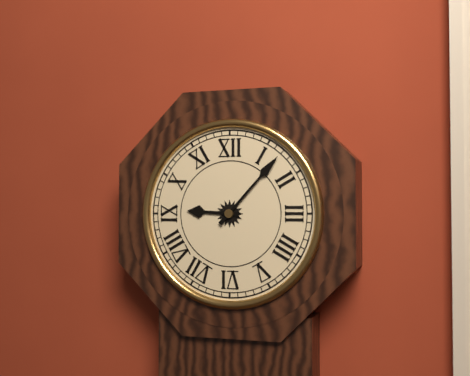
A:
h=9 m=7
